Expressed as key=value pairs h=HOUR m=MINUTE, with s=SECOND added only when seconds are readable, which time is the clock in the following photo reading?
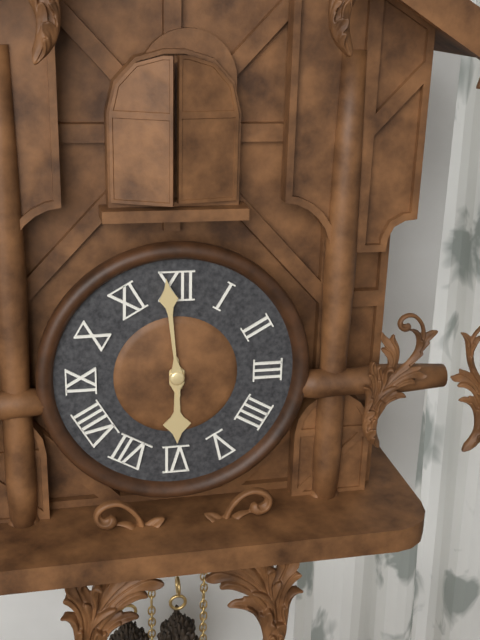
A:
h=5 m=59
